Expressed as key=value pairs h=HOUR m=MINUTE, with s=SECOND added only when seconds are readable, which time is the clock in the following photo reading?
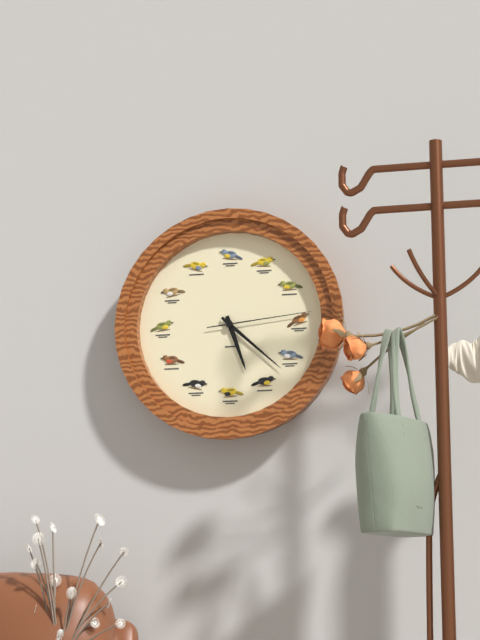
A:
h=5 m=22 s=14
